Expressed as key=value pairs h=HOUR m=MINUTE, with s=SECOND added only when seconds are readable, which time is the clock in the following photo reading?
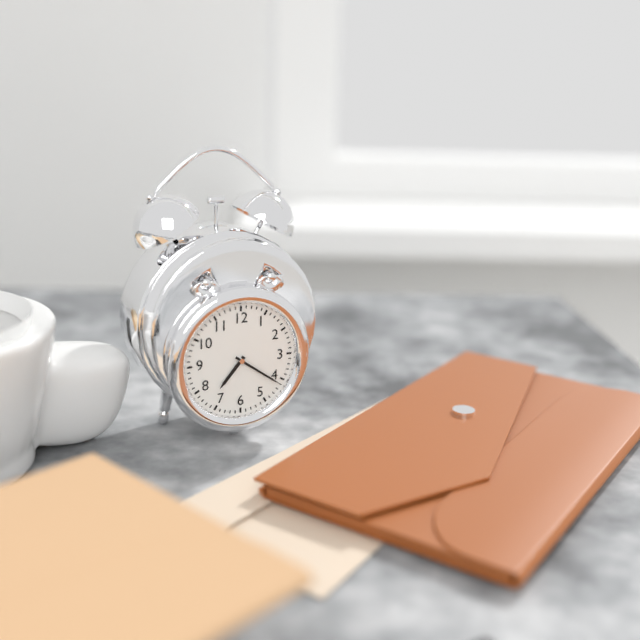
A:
h=7 m=21
